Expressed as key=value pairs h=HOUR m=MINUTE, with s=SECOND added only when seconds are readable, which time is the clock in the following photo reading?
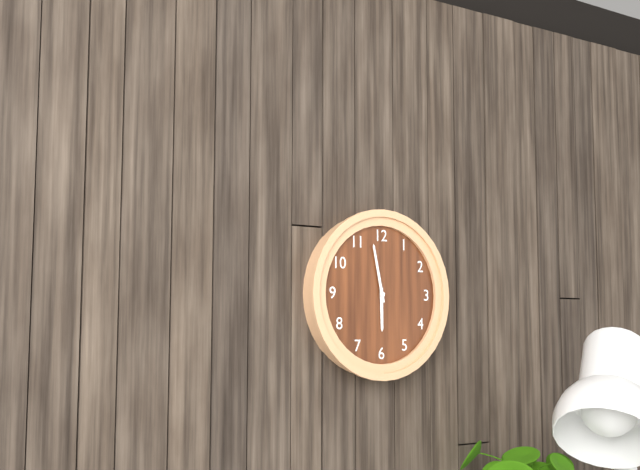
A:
h=5 m=58
